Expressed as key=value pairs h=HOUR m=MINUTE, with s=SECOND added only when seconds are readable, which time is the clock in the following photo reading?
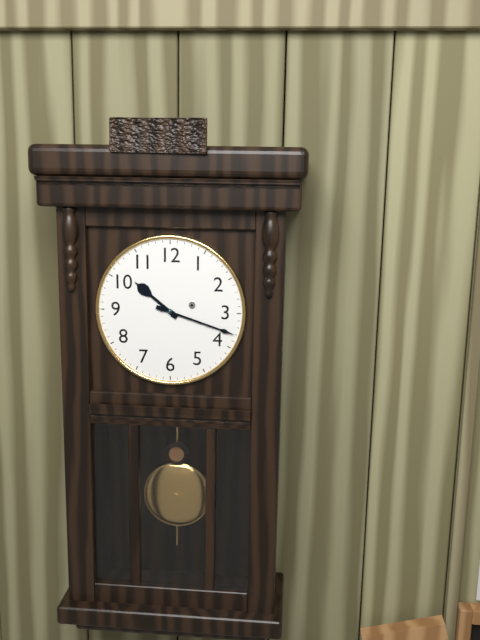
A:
h=10 m=18
